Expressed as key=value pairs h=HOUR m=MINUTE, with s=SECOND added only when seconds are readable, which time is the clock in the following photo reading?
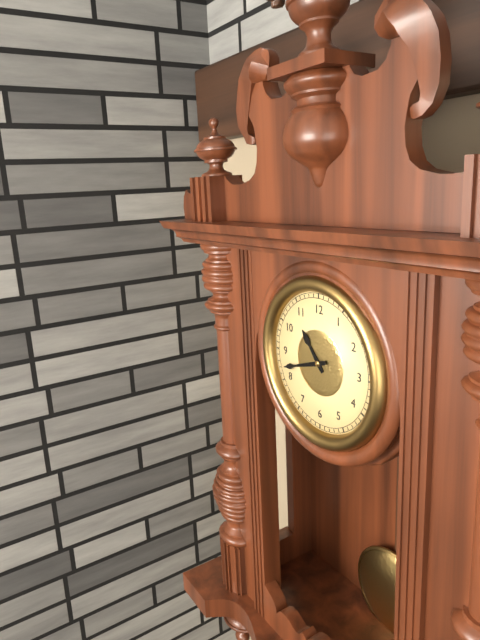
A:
h=10 m=42
